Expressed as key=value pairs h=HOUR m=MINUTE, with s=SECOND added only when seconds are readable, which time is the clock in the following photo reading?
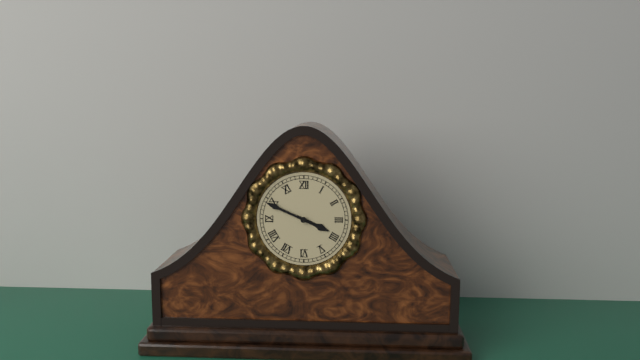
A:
h=3 m=49
